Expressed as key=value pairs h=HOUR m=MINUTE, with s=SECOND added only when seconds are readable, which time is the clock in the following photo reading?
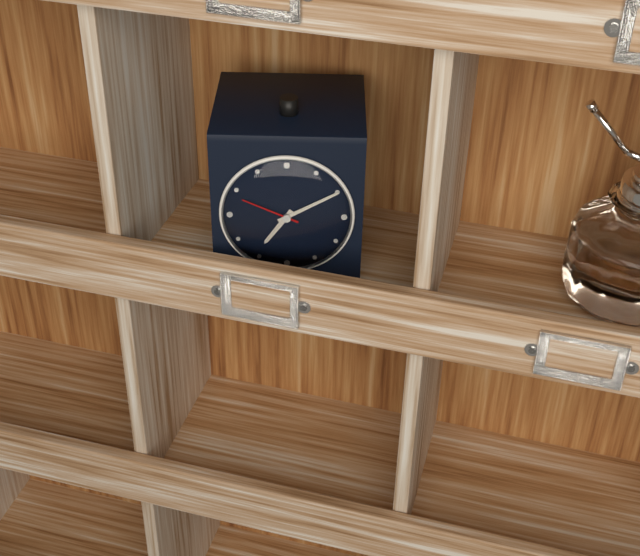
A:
h=7 m=10 s=49
